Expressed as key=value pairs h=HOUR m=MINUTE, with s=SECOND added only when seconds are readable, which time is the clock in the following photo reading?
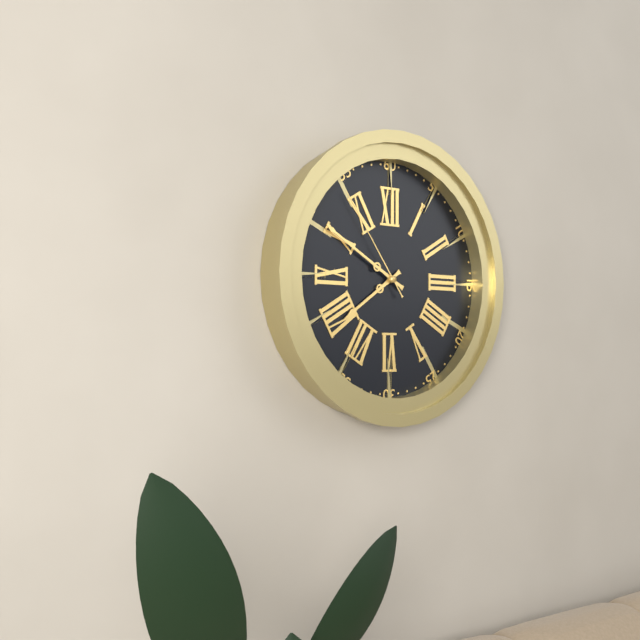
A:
h=7 m=50 s=54
